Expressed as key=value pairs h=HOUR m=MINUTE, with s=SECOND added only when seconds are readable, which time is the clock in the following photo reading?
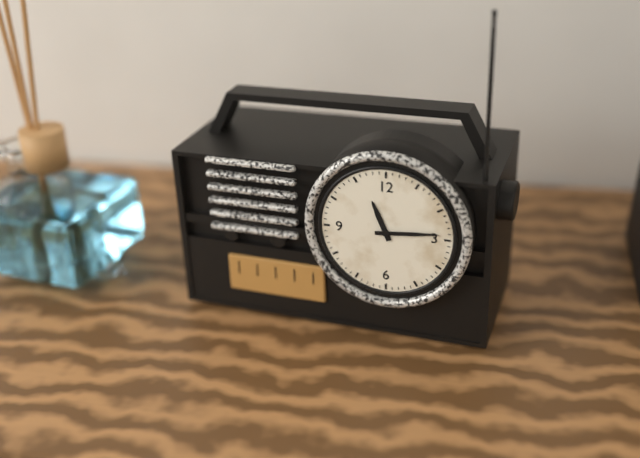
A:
h=11 m=14
